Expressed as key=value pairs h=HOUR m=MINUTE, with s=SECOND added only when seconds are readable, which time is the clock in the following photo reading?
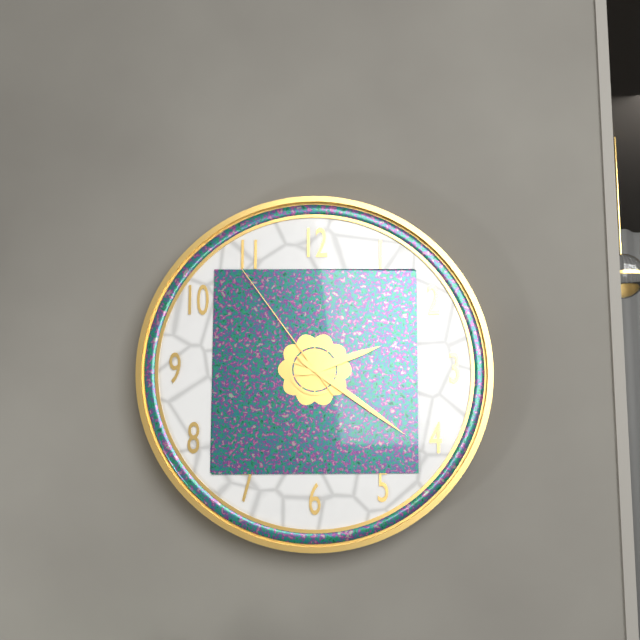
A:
h=2 m=21 s=54
